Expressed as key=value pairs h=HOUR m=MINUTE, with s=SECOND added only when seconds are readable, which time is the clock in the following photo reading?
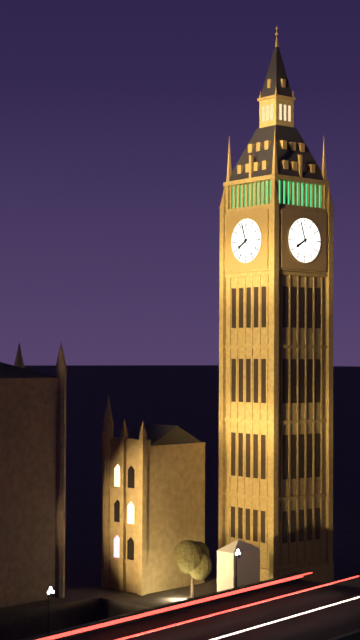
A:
h=7 m=57
